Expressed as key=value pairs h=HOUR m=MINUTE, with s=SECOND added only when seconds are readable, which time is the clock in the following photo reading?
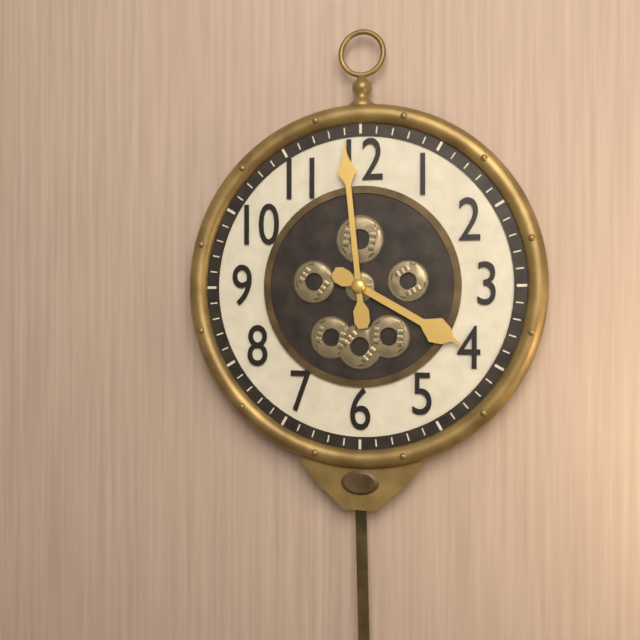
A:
h=3 m=59
